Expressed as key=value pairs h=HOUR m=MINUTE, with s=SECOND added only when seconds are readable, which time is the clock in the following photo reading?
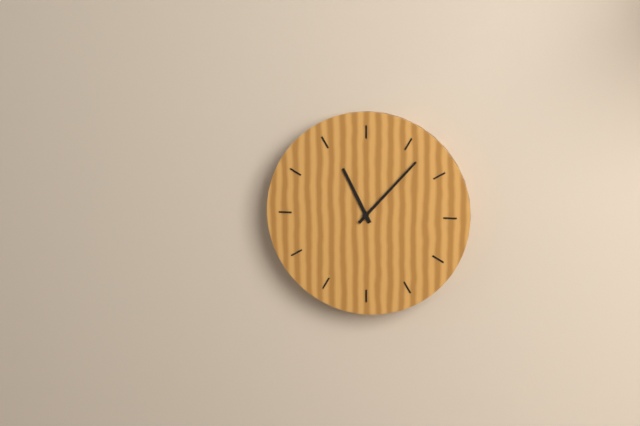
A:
h=11 m=7
